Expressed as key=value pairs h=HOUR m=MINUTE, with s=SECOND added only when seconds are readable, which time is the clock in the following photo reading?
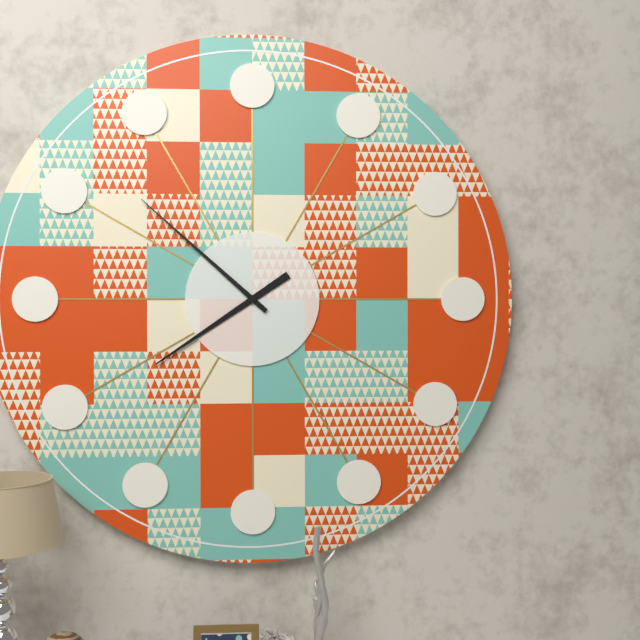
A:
h=7 m=52
